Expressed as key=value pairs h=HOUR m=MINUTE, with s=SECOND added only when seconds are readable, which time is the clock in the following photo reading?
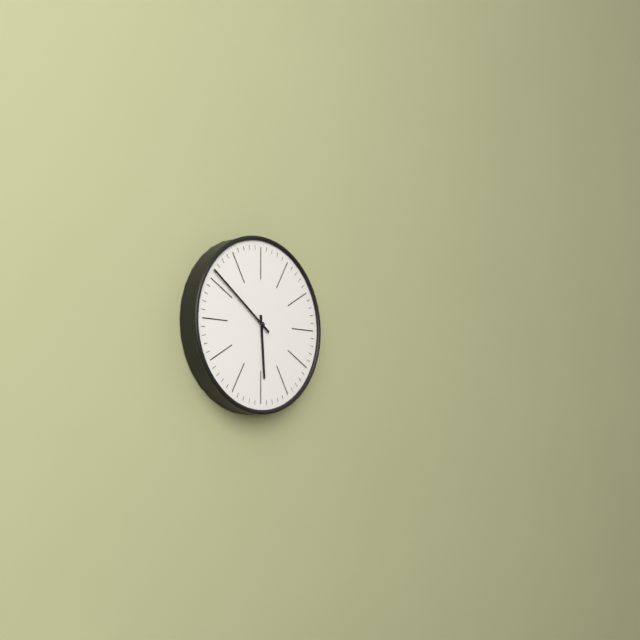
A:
h=5 m=51
